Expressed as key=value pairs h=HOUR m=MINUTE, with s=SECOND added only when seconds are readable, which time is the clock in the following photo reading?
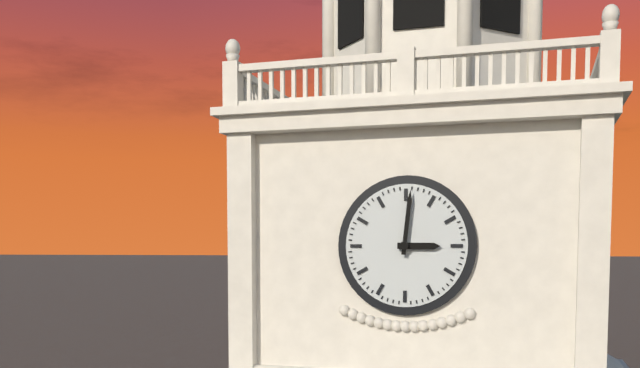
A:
h=3 m=1
